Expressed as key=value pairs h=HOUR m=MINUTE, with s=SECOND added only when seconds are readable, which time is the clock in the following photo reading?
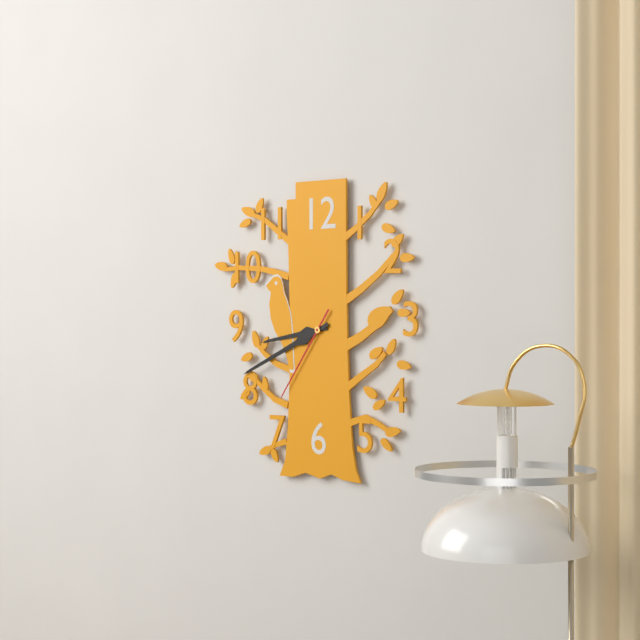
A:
h=8 m=41 s=36
